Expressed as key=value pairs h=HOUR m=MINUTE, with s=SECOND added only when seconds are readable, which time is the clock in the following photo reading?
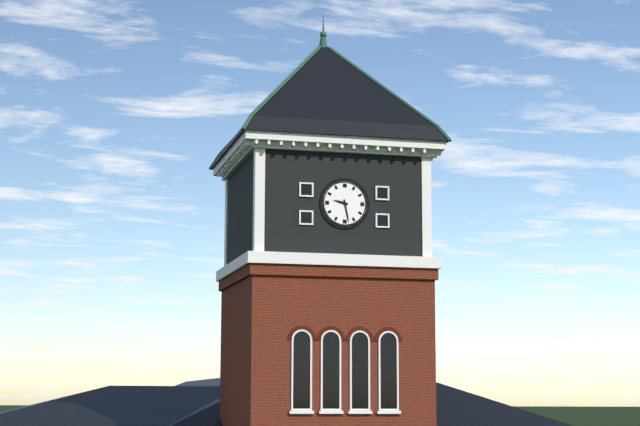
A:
h=9 m=28
